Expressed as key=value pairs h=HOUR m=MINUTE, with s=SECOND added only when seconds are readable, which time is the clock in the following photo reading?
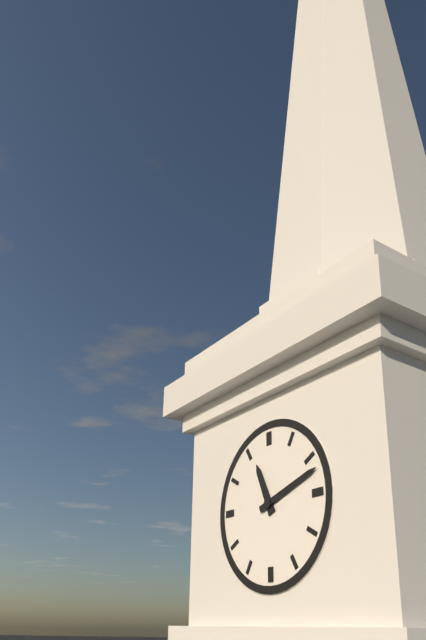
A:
h=11 m=12
